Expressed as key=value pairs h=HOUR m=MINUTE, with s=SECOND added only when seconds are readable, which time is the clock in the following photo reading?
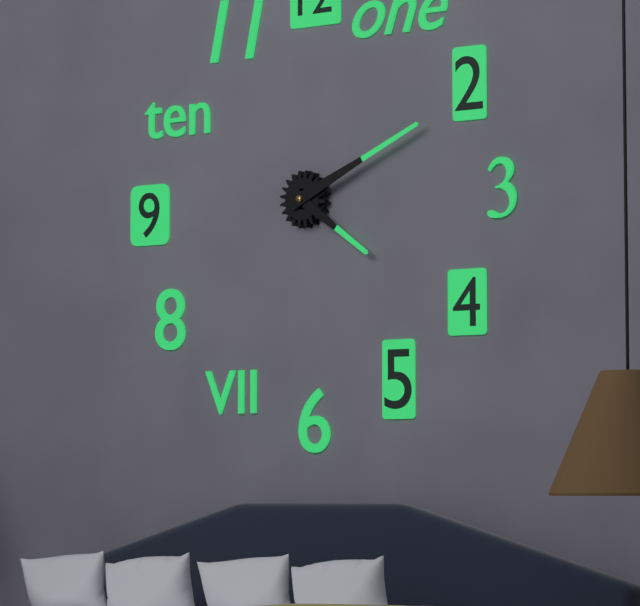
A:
h=4 m=11
